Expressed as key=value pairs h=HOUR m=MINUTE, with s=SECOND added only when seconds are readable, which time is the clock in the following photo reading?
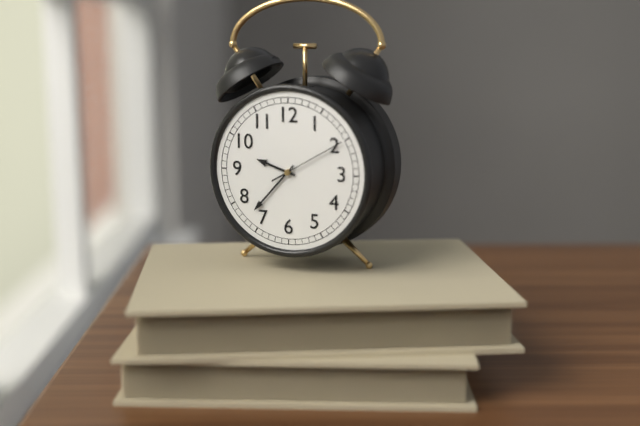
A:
h=9 m=37 s=10
